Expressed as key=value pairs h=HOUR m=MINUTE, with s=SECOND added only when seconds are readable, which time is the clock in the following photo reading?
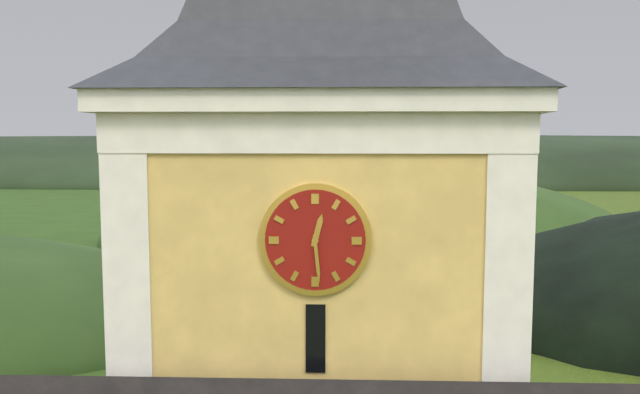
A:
h=12 m=29
